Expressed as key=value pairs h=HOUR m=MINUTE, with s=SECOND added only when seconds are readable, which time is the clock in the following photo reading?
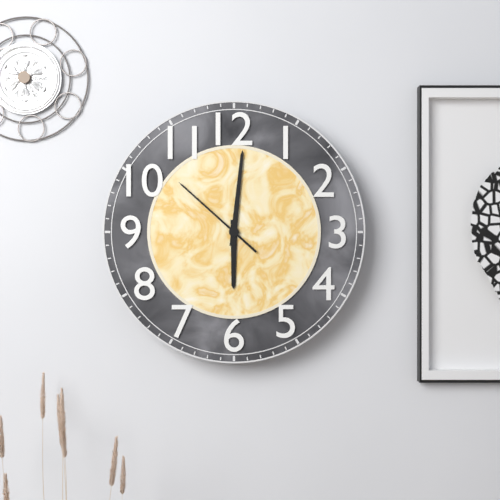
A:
h=6 m=1 s=52
